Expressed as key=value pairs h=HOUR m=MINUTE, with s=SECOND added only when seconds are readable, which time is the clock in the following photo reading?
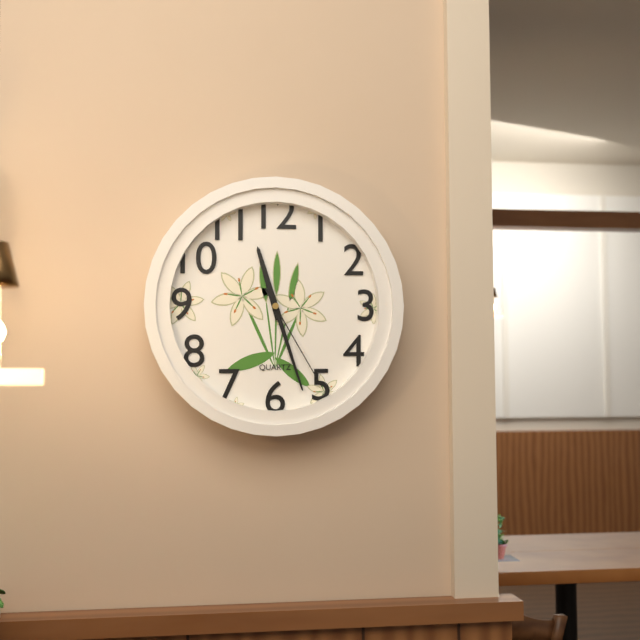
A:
h=11 m=27 s=25
